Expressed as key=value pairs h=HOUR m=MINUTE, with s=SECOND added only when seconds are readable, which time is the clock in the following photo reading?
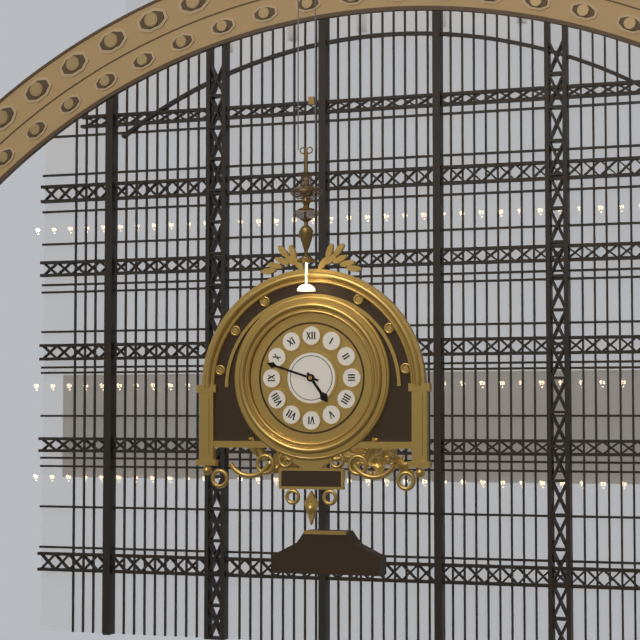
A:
h=4 m=48
